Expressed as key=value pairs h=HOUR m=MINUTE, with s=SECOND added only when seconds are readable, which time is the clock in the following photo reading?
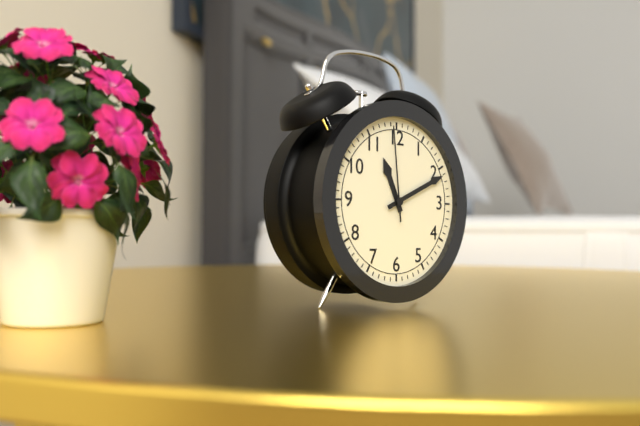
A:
h=11 m=11 s=59
